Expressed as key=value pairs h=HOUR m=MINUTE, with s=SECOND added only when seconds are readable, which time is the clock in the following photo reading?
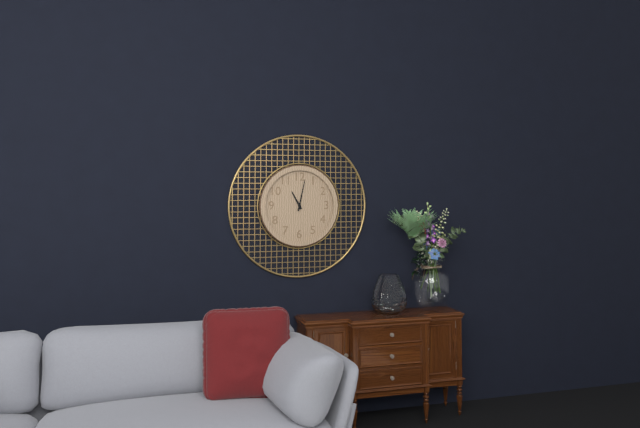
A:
h=11 m=2
